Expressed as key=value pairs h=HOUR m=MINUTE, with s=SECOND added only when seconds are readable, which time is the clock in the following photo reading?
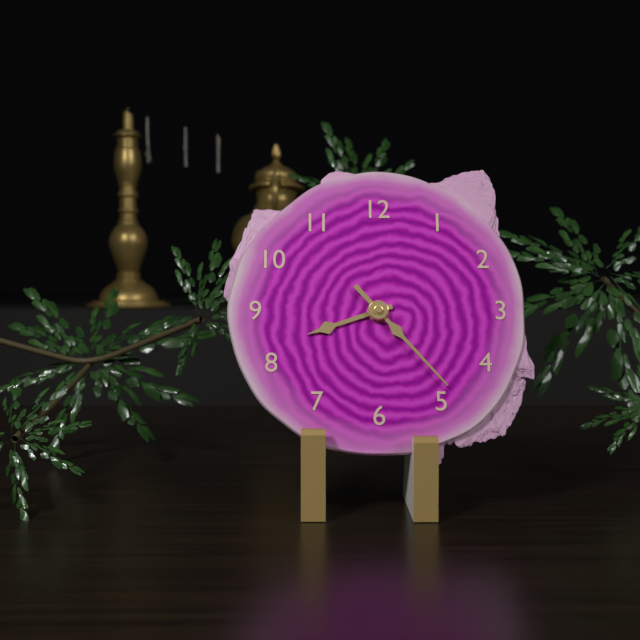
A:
h=8 m=23
